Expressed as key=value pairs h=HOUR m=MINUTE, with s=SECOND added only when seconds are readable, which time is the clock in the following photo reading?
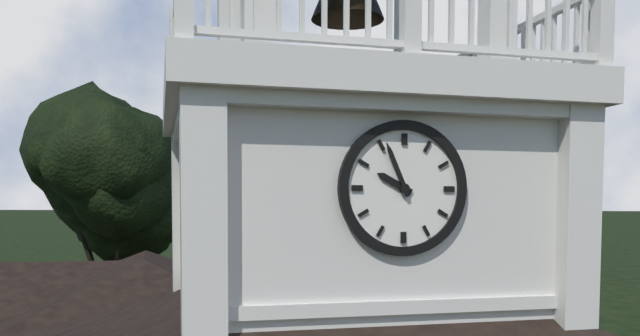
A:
h=9 m=56
